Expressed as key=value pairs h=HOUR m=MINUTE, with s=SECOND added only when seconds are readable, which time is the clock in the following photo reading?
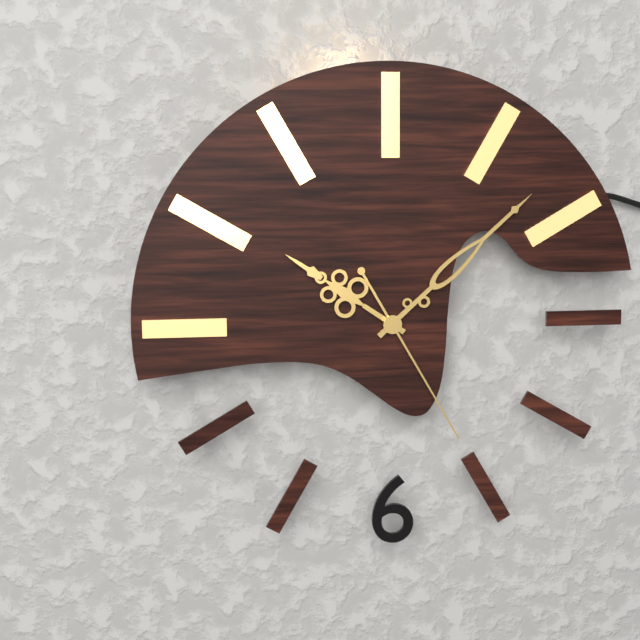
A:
h=10 m=8 s=25
